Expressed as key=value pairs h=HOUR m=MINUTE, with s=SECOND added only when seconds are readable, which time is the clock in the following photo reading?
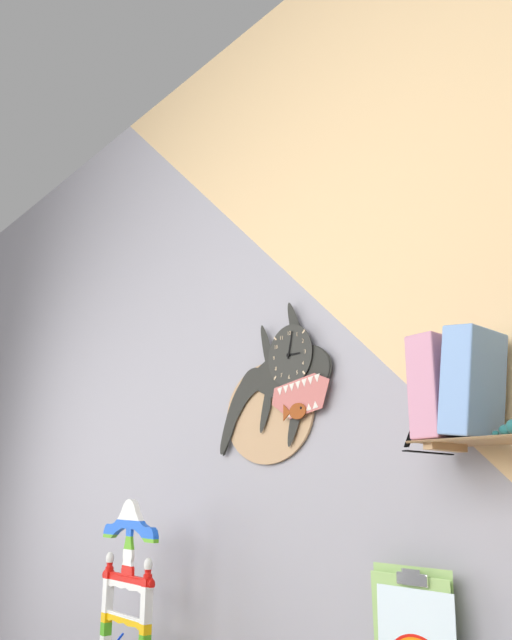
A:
h=3 m=2
